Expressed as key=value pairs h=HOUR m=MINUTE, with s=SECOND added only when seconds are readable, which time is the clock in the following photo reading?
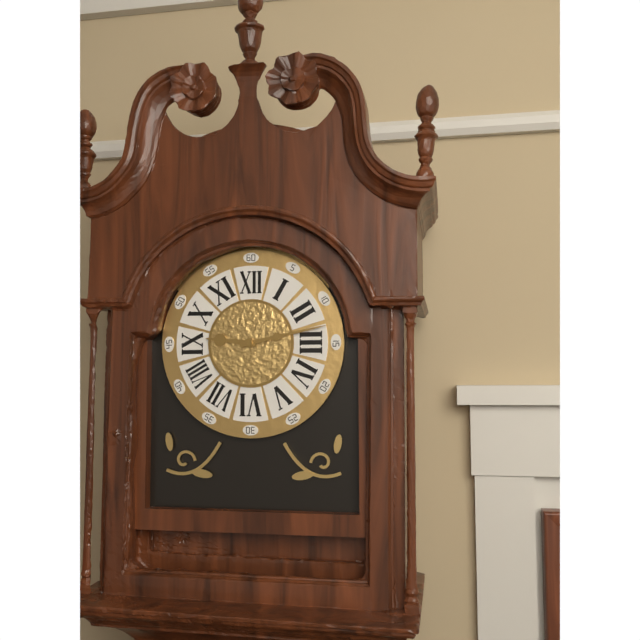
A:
h=9 m=13
